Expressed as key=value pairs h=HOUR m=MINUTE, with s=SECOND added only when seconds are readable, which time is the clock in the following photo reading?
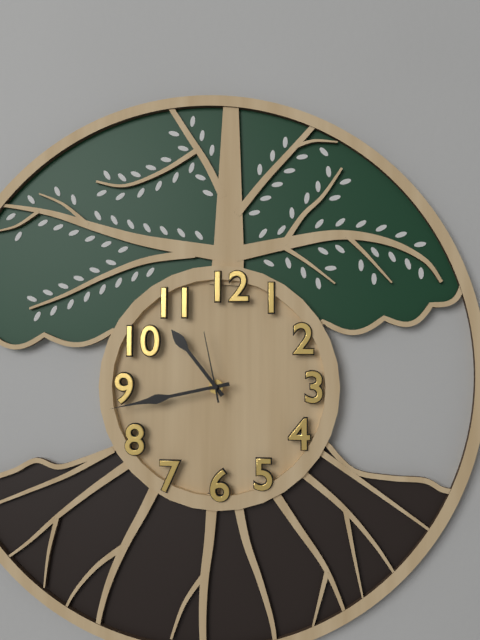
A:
h=10 m=43 s=58
